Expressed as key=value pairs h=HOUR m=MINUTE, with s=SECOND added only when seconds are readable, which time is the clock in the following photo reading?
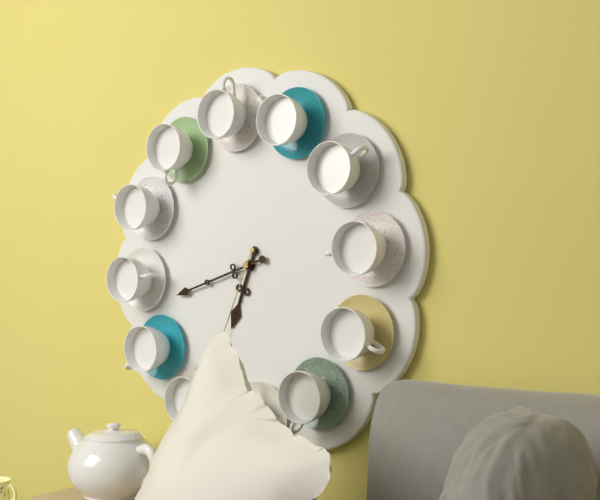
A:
h=6 m=42 s=34
